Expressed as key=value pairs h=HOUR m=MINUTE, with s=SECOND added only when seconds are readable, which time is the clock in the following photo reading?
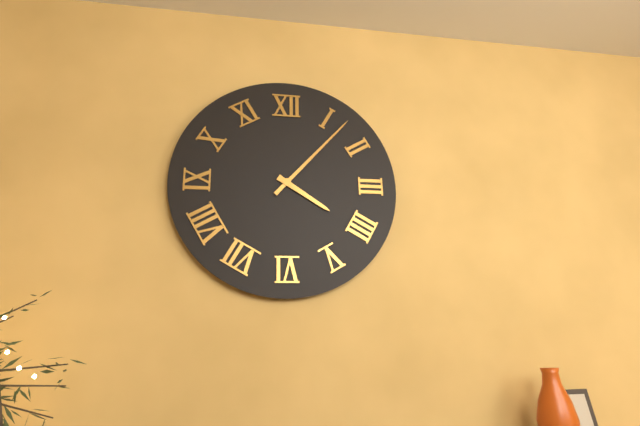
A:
h=4 m=7
